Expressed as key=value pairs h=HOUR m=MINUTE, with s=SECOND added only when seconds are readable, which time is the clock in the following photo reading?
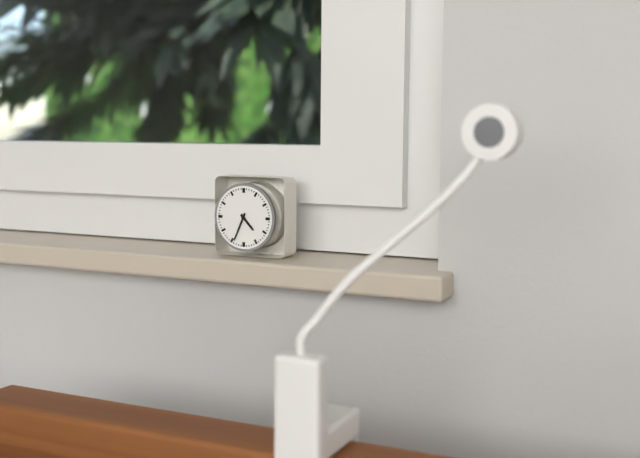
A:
h=4 m=34
